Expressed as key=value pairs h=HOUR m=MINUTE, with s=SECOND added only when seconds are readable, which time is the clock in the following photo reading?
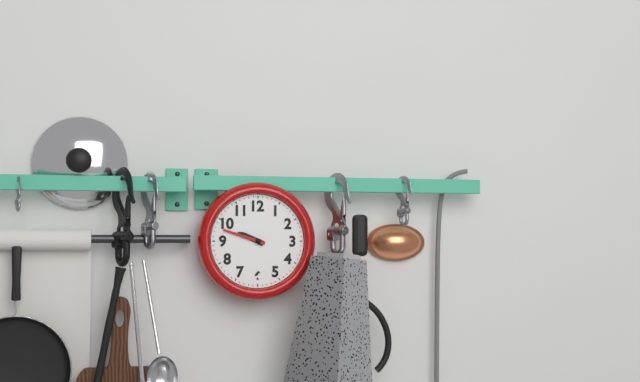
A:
h=9 m=48
